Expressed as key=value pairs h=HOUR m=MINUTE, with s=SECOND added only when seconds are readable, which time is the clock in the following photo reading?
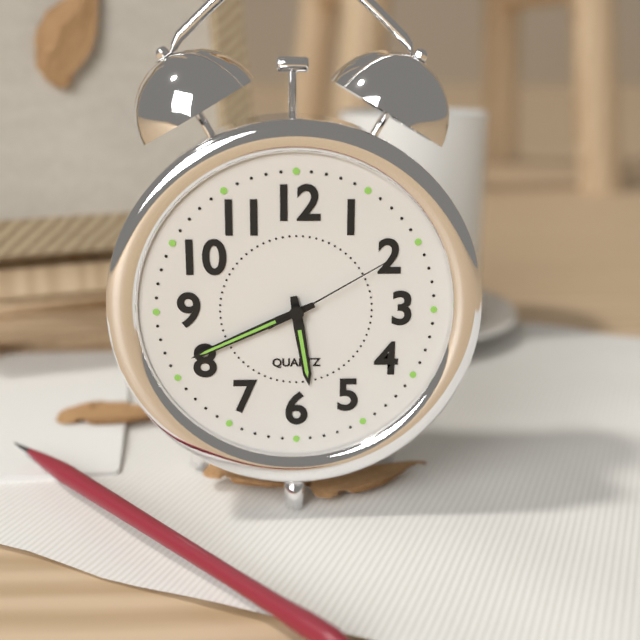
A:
h=5 m=41 s=10
